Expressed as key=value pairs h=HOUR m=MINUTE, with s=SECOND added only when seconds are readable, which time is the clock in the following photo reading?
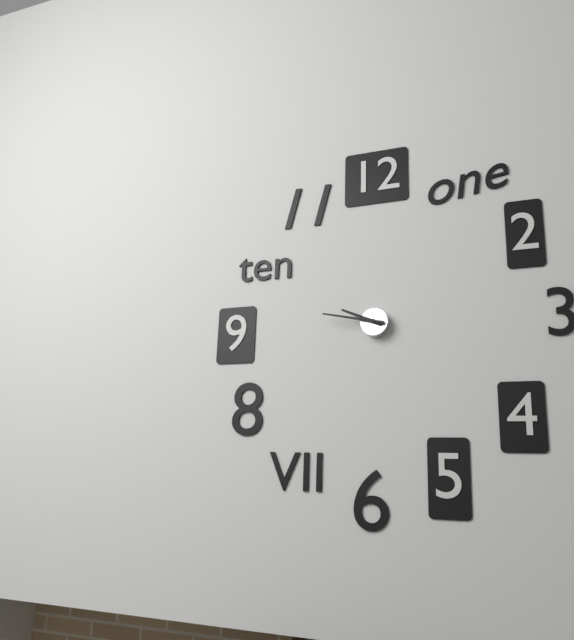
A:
h=9 m=47
